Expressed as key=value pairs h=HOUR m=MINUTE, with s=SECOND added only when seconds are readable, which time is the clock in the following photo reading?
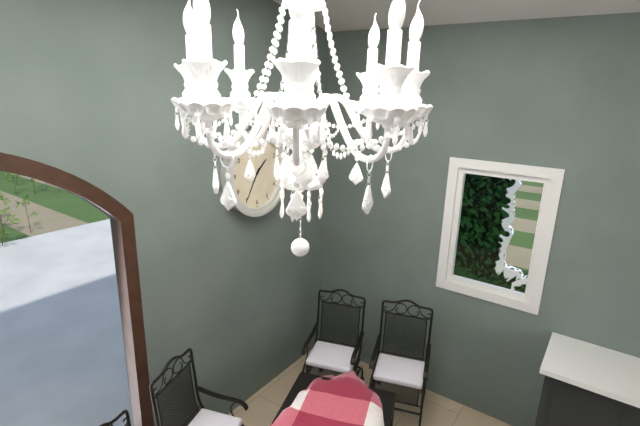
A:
h=1 m=35
